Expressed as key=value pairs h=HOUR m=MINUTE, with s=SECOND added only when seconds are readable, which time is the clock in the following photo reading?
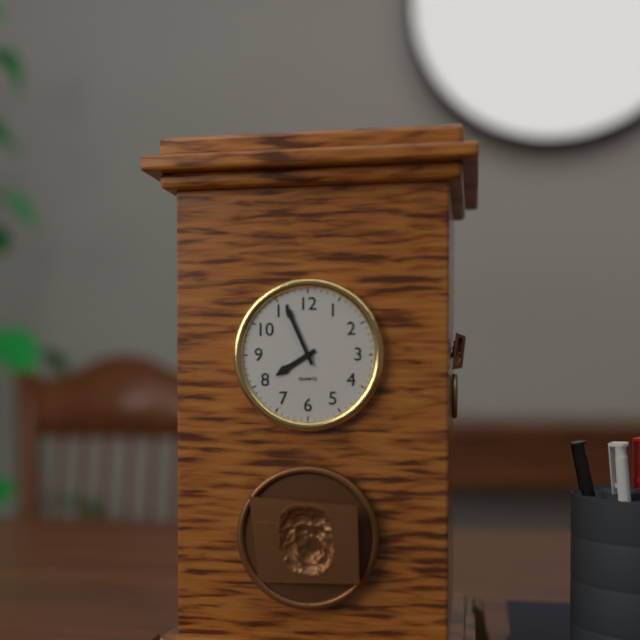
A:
h=7 m=56
